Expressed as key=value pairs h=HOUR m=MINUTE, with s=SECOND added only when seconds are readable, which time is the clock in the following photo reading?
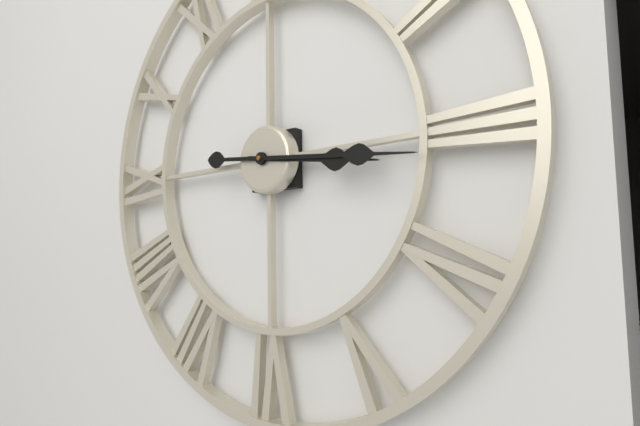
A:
h=3 m=16
